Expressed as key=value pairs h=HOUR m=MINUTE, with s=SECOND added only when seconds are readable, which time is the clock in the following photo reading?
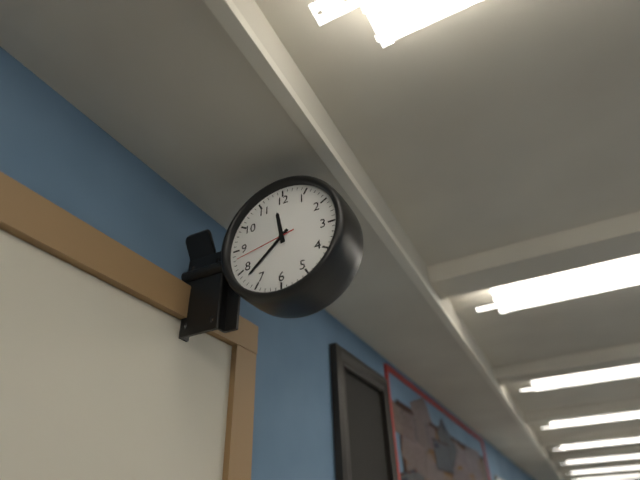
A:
h=11 m=38 s=43
